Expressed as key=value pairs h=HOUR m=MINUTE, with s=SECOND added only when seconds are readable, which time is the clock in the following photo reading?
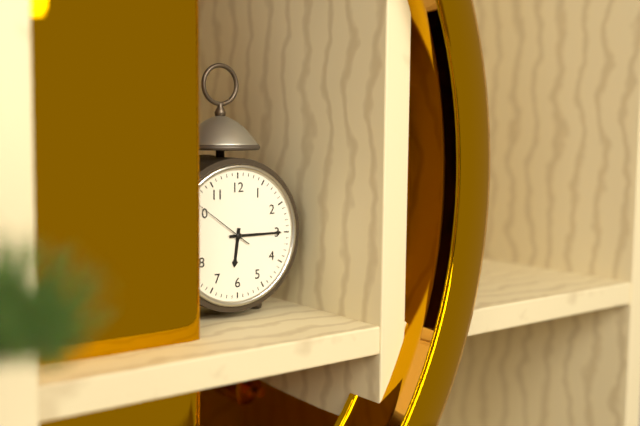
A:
h=6 m=15 s=51
